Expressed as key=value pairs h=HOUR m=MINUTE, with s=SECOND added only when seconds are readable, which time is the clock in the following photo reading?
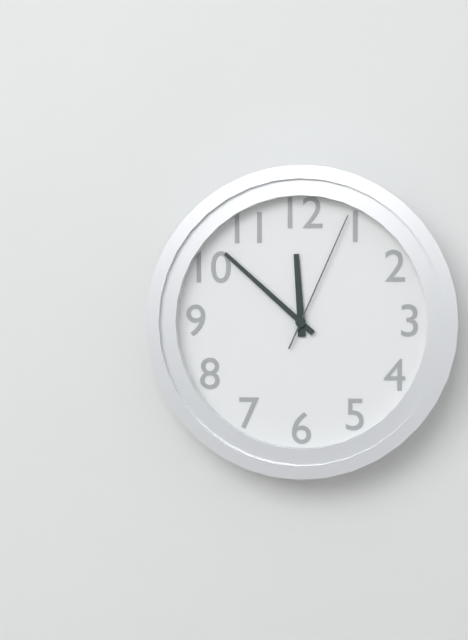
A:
h=11 m=52 s=4
